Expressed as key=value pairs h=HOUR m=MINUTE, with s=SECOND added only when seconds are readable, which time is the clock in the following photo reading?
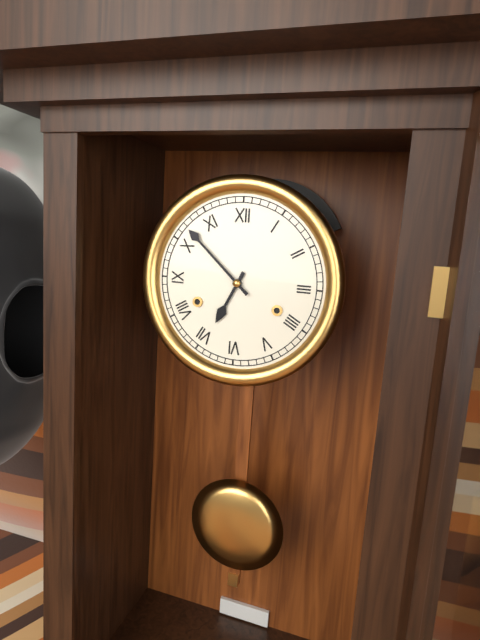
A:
h=6 m=52
